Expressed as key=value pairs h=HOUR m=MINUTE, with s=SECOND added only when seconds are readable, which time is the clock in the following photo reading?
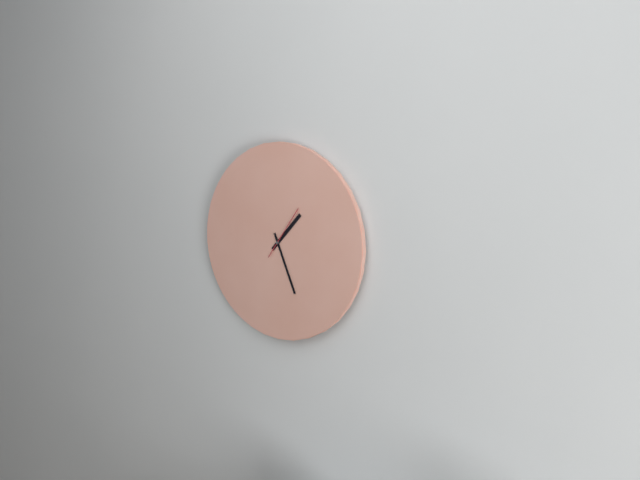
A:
h=1 m=26 s=6
